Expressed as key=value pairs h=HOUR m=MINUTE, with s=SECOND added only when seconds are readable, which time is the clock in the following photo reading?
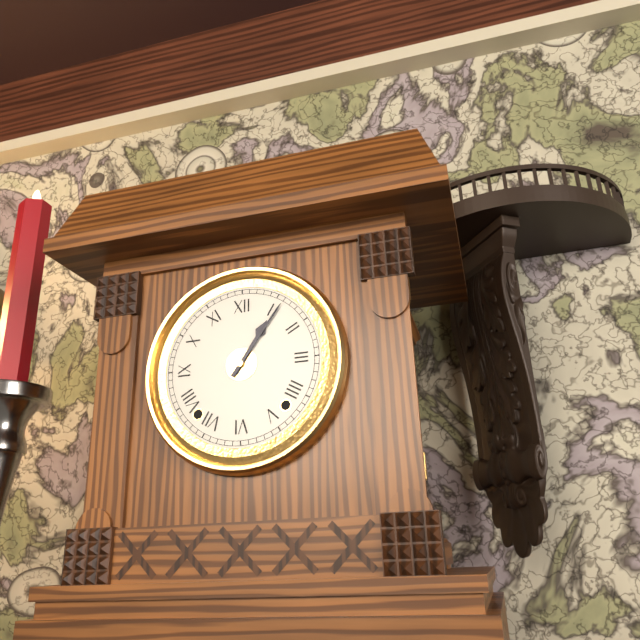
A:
h=1 m=6
